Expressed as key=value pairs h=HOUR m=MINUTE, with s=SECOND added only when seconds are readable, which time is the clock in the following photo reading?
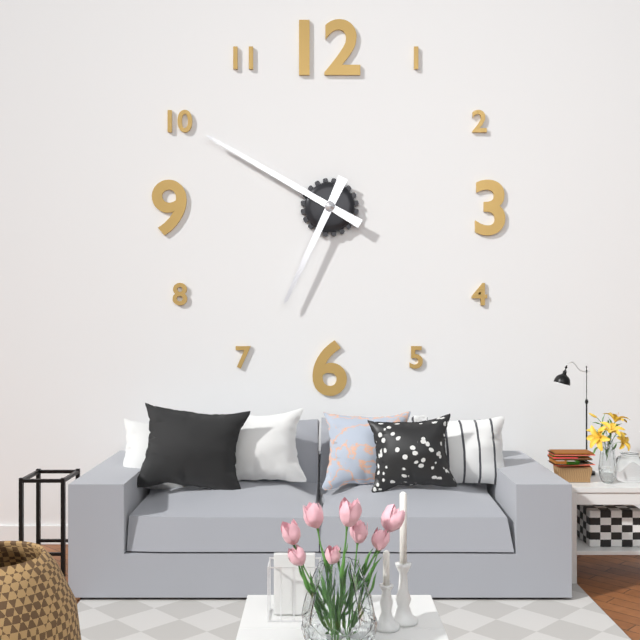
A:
h=6 m=50
